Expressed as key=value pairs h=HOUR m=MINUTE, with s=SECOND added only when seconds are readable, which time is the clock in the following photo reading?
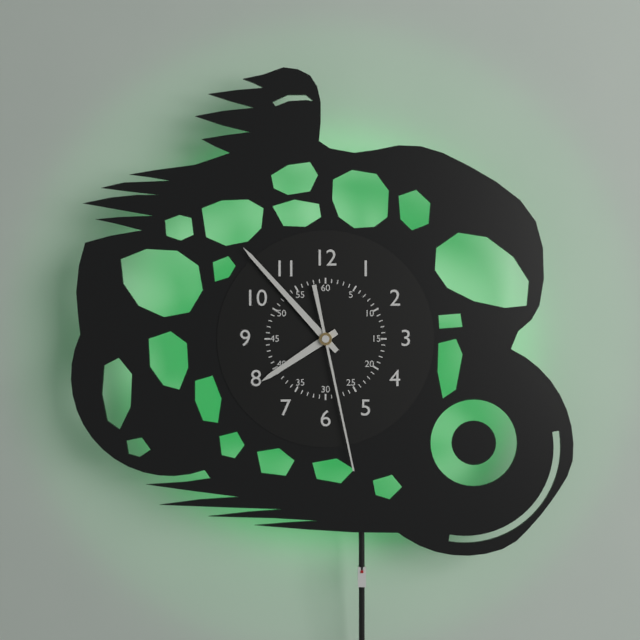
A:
h=7 m=53 s=28
